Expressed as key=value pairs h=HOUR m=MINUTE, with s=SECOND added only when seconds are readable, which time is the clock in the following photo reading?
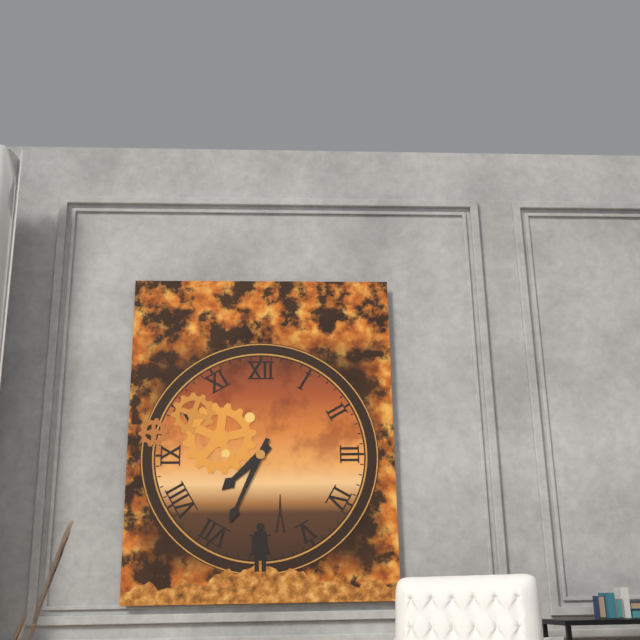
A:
h=7 m=34
